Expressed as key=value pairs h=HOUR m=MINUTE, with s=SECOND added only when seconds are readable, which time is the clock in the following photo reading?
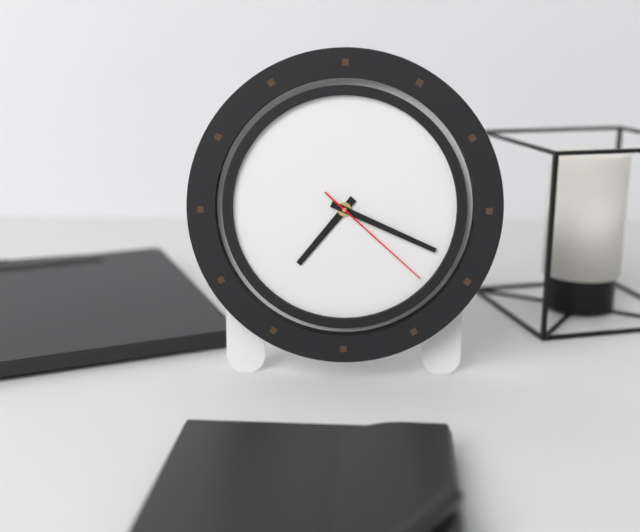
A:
h=7 m=19 s=22
